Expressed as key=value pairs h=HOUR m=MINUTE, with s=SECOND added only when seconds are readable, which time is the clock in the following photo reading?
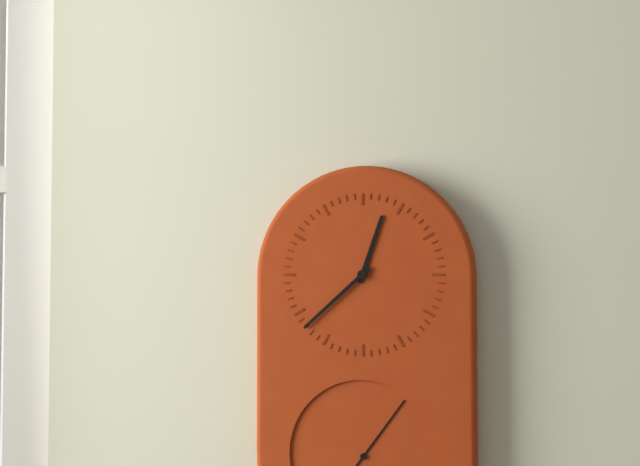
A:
h=12 m=38 s=6
